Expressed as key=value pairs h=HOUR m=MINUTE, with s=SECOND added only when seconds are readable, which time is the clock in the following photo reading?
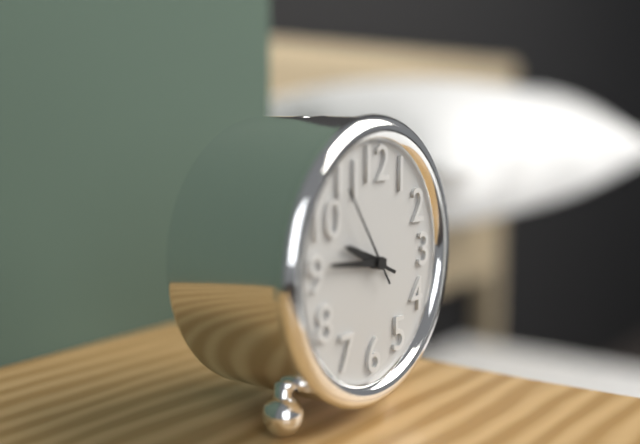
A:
h=9 m=46 s=54
